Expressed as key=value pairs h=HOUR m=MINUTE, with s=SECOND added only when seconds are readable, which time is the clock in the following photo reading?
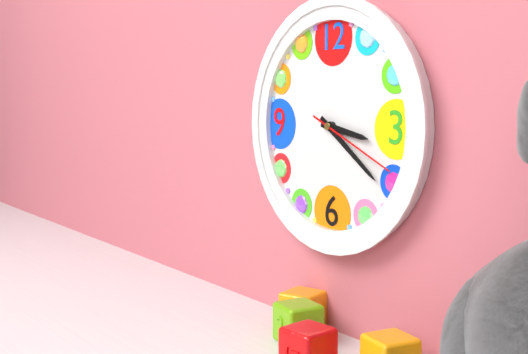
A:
h=3 m=21 s=19
